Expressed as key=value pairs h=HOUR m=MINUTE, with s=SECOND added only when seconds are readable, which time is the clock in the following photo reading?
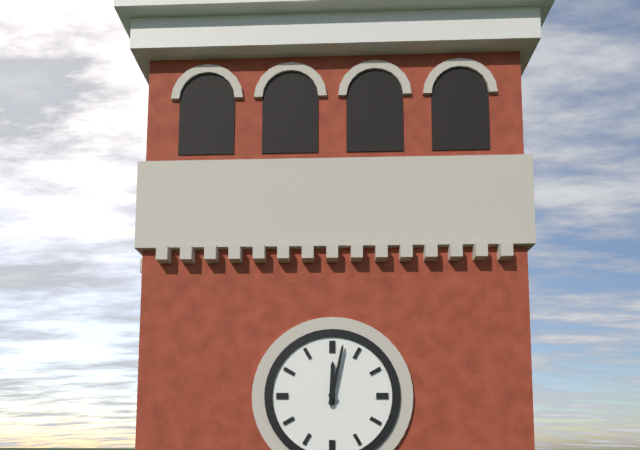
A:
h=12 m=2
